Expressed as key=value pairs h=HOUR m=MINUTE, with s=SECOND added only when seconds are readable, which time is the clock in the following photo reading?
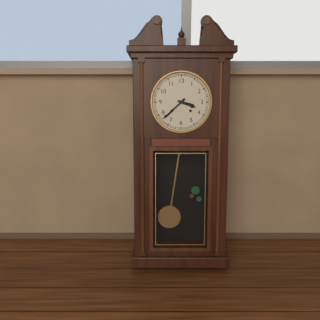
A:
h=3 m=38
